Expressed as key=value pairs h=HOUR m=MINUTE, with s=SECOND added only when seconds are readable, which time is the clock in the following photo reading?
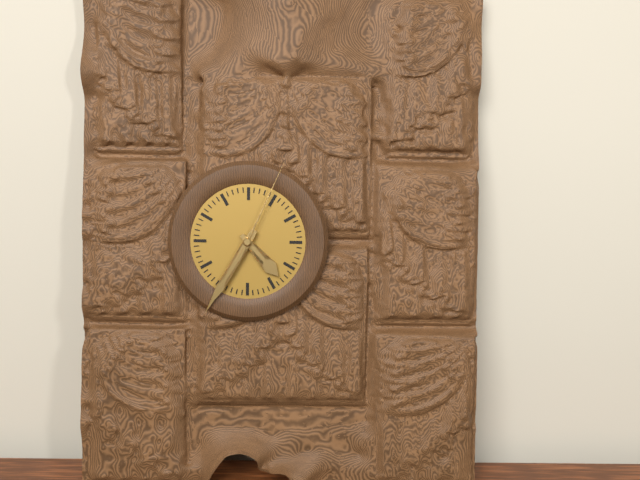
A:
h=4 m=35 s=4
